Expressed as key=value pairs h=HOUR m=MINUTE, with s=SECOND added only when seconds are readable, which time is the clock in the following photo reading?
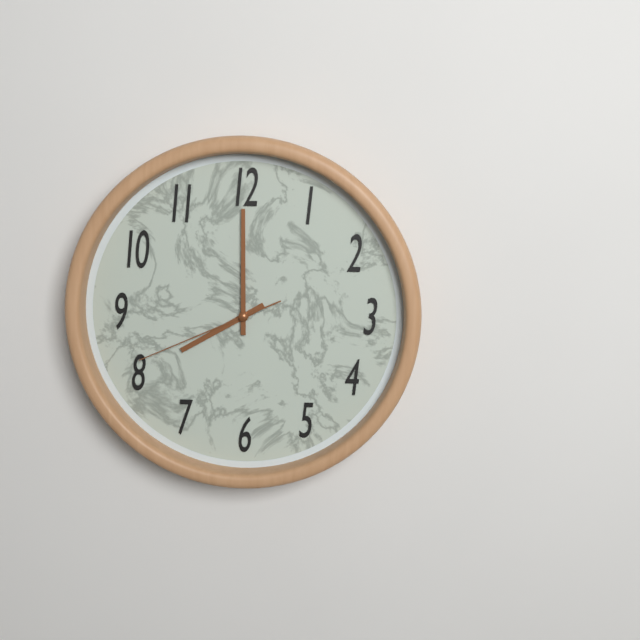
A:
h=8 m=0 s=41
